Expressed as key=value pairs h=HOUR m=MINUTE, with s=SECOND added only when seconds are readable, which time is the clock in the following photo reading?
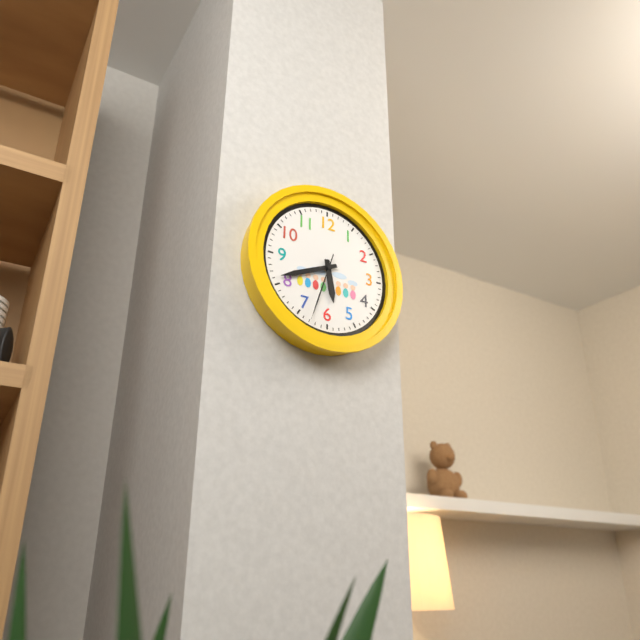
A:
h=5 m=41 s=33
